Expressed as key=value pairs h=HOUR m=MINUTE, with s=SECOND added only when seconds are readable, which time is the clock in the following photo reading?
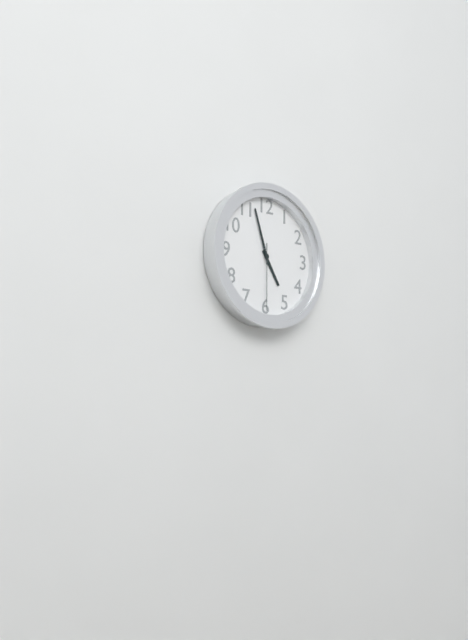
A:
h=4 m=57 s=30
